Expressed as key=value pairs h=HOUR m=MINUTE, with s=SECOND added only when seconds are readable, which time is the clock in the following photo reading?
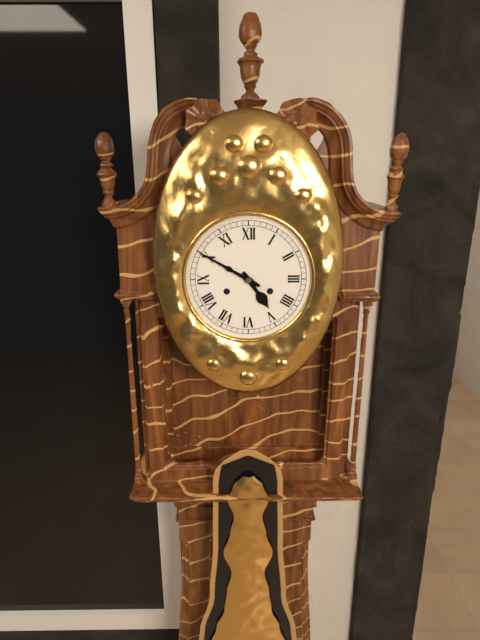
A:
h=4 m=50
